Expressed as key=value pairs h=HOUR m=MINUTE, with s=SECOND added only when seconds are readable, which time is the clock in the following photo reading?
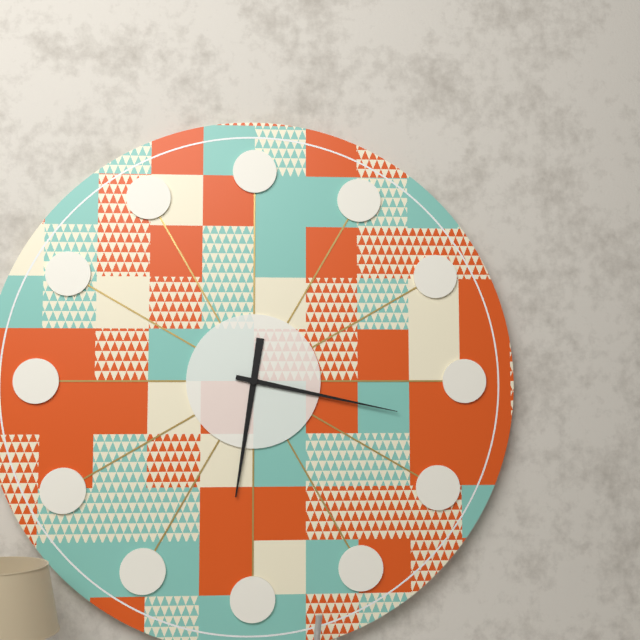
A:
h=6 m=17
